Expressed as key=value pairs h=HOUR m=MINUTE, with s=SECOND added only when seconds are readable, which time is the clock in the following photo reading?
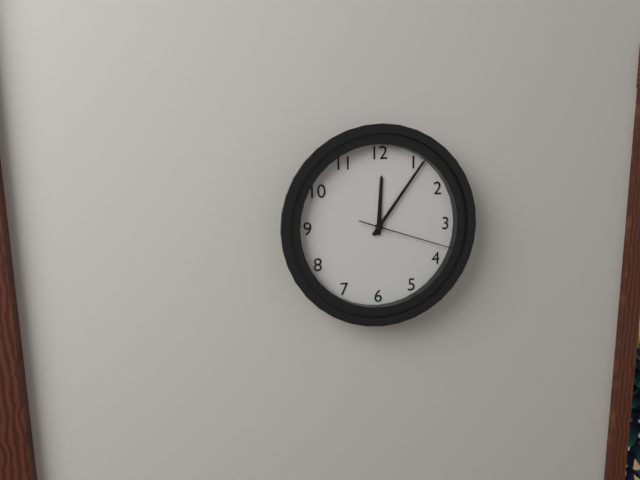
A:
h=12 m=6 s=18
